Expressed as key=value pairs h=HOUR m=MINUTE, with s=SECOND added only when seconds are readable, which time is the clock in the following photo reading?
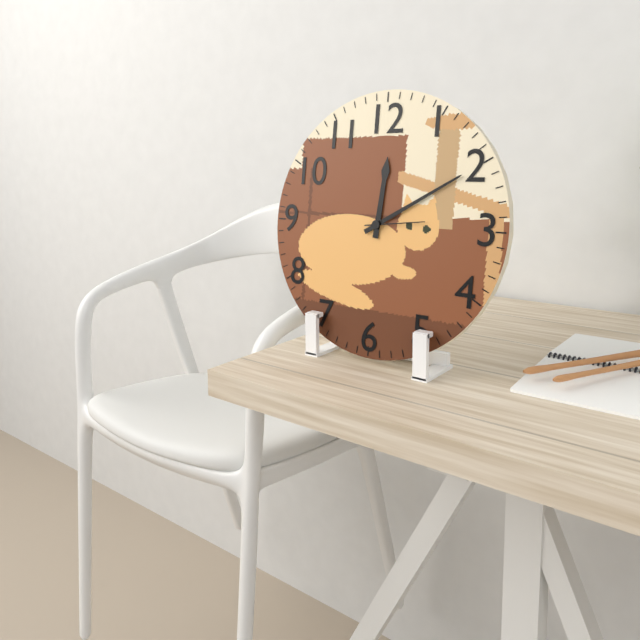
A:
h=12 m=10 s=14
